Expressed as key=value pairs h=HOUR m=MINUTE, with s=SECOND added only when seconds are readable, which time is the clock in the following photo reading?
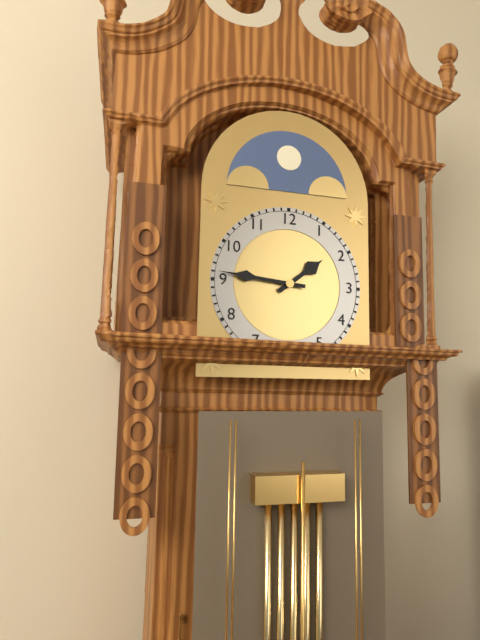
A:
h=1 m=46
